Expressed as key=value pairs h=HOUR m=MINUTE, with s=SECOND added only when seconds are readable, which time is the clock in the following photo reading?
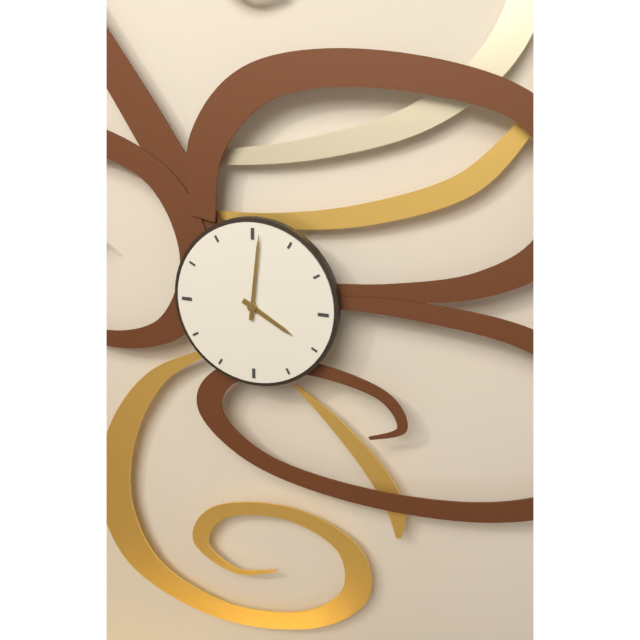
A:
h=4 m=1
